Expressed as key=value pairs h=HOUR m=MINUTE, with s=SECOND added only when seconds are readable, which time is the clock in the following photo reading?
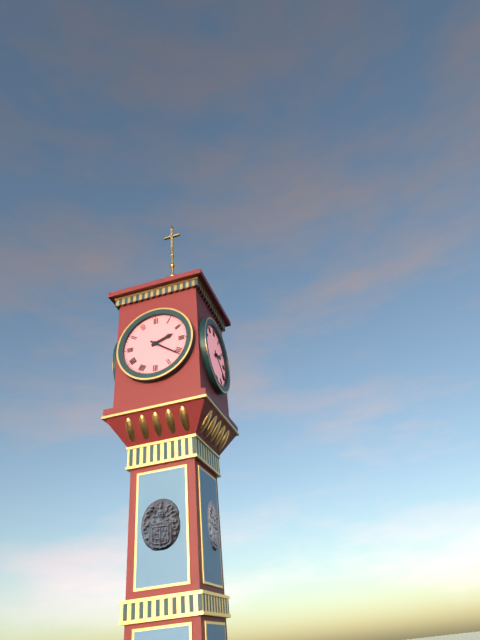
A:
h=2 m=21
